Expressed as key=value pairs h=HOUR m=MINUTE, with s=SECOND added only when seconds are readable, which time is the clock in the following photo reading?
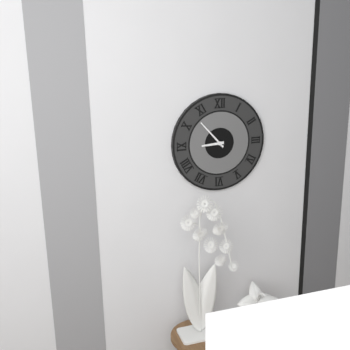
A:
h=8 m=53
